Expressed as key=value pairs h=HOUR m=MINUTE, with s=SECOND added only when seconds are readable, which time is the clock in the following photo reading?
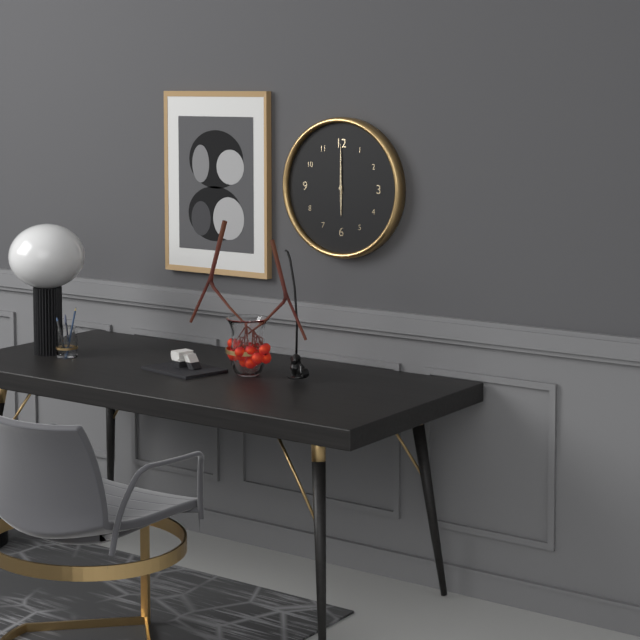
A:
h=6 m=0
